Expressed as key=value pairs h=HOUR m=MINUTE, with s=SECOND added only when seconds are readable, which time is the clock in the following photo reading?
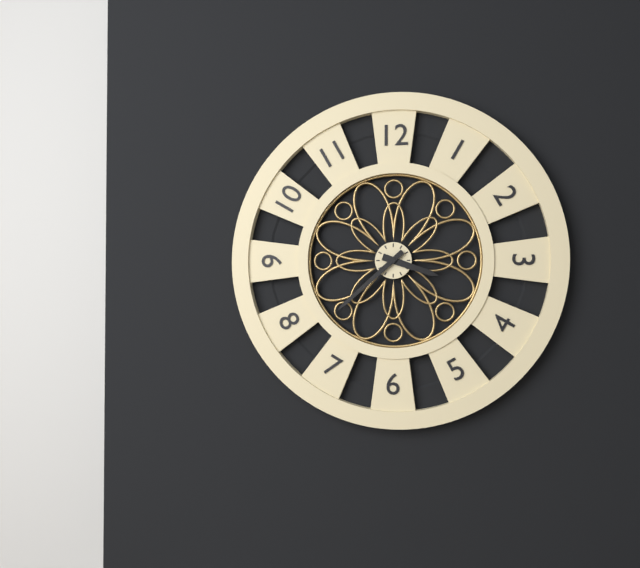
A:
h=3 m=38
